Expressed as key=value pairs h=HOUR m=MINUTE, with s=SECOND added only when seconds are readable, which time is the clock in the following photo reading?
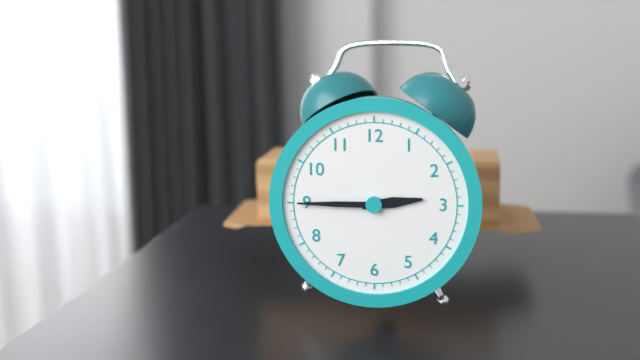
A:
h=2 m=45
